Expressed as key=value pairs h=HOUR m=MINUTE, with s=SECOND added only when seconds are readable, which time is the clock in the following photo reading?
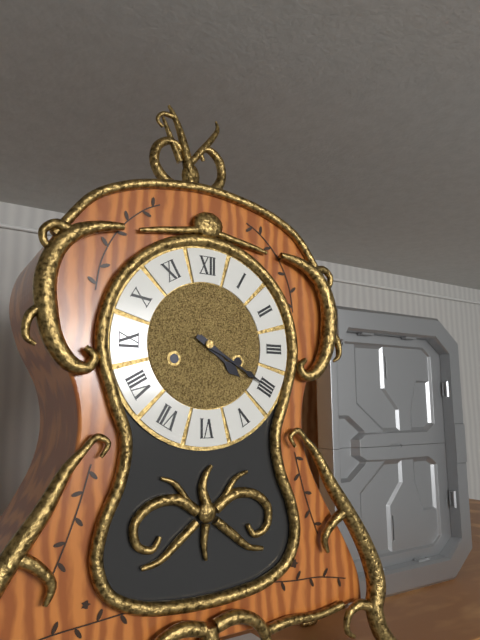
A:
h=4 m=20
